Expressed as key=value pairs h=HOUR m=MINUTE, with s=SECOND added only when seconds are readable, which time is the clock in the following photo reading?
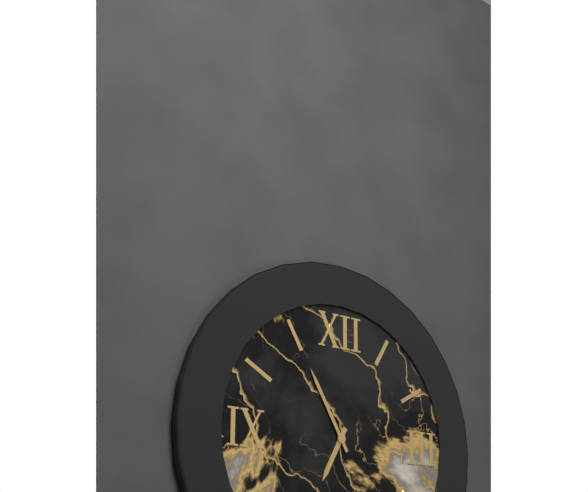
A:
h=6 m=55
